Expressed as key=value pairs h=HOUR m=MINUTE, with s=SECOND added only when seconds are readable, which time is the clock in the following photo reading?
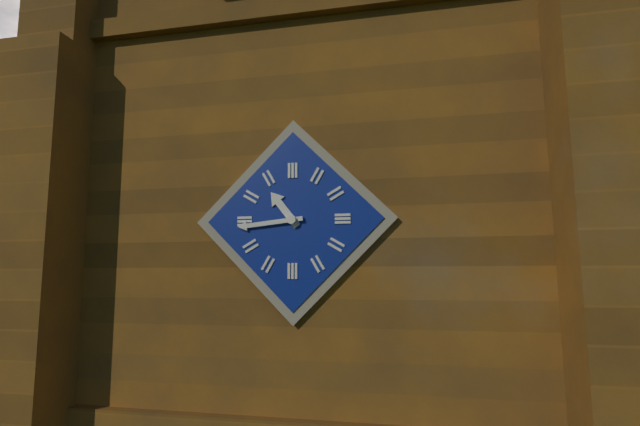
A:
h=10 m=44
